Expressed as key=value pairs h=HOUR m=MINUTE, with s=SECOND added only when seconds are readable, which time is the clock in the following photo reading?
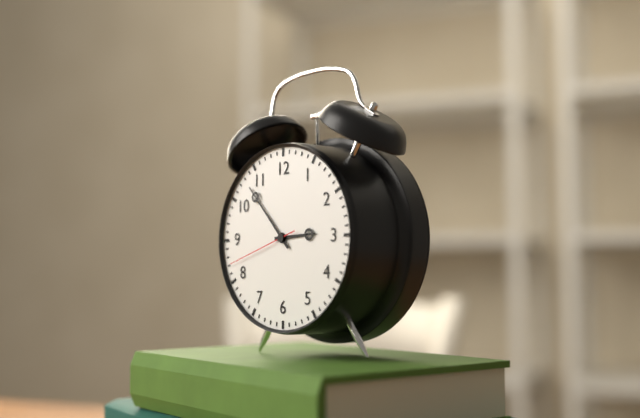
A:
h=2 m=53 s=42
